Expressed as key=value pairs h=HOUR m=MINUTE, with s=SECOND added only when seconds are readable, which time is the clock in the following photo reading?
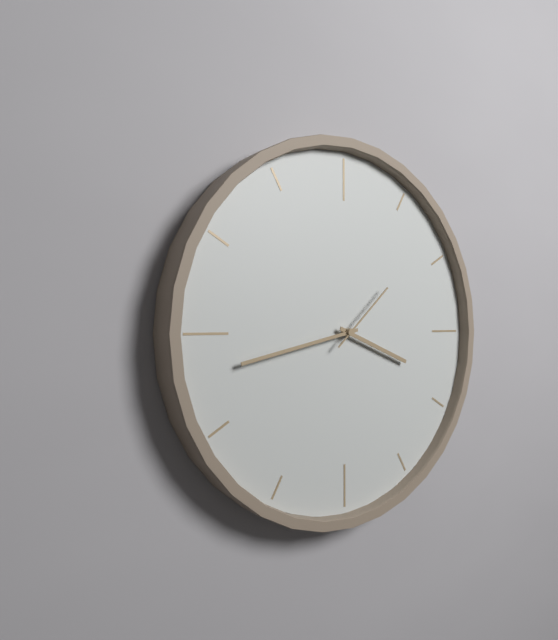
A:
h=3 m=43 s=8
